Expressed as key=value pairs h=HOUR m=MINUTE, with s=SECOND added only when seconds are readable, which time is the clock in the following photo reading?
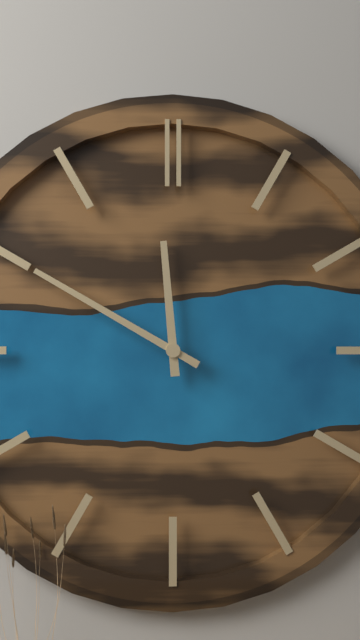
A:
h=11 m=50
